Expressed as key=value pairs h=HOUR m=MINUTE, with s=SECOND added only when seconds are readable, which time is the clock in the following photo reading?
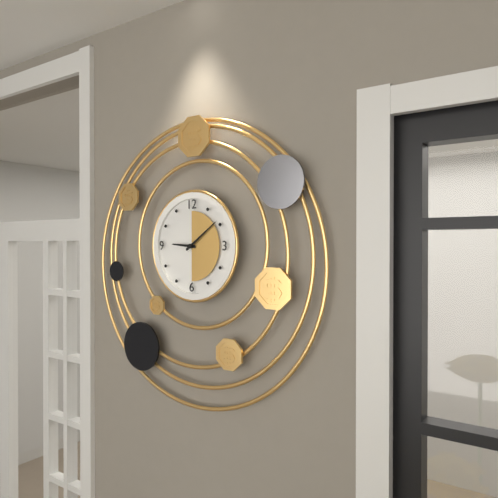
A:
h=9 m=9
